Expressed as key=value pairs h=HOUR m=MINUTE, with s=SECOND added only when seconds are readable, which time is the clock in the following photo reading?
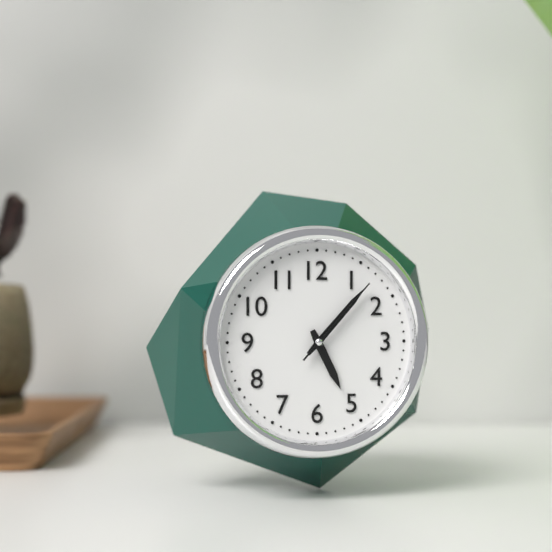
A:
h=5 m=7 s=7
